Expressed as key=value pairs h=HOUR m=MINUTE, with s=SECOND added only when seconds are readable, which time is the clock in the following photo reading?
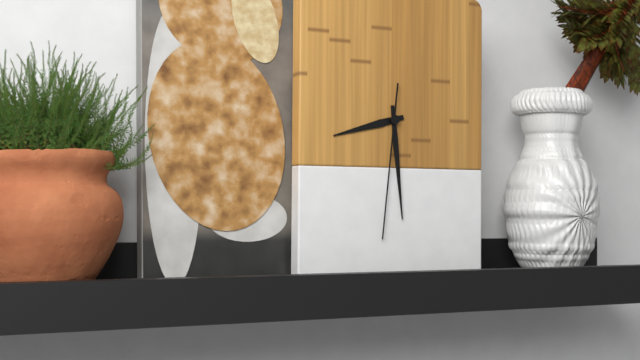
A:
h=8 m=29 s=31
